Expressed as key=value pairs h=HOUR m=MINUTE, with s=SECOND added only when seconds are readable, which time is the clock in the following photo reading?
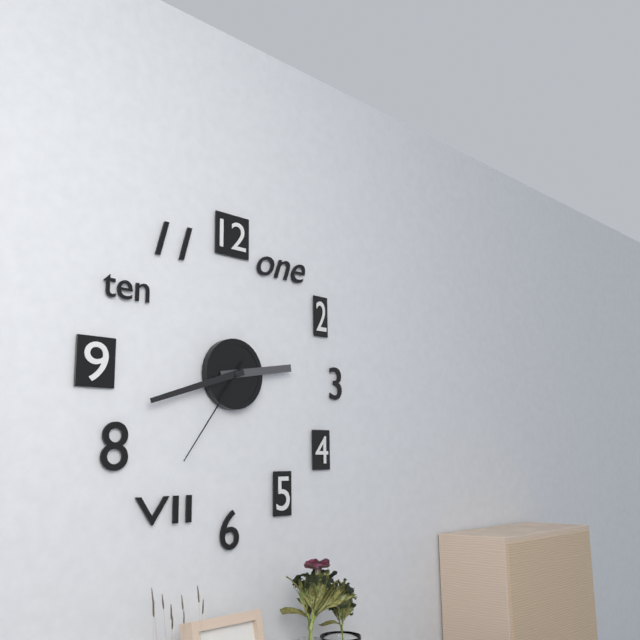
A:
h=2 m=42 s=36
